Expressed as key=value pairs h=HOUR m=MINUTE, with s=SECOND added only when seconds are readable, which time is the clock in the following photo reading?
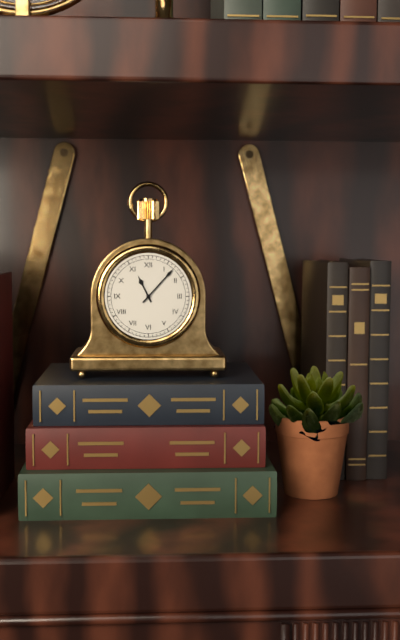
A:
h=11 m=7
